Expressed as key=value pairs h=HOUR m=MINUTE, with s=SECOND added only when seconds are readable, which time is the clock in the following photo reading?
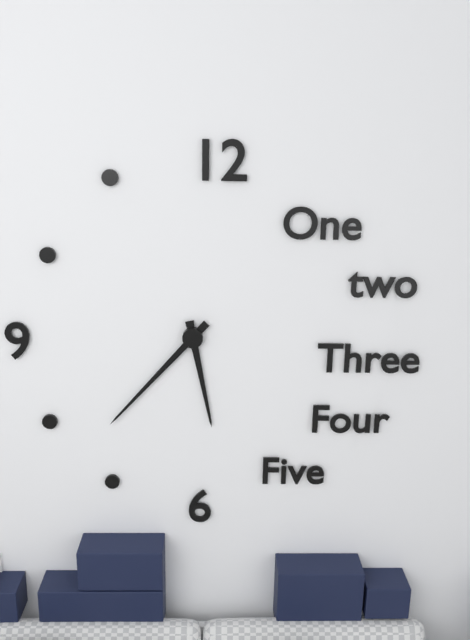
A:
h=5 m=37
